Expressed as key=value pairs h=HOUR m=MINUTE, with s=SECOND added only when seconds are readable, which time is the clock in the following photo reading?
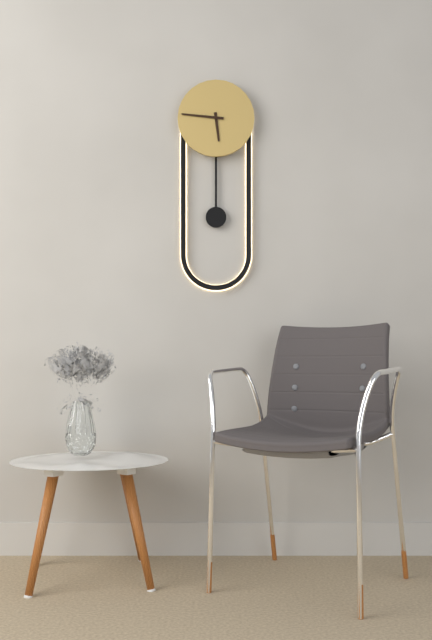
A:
h=5 m=46
